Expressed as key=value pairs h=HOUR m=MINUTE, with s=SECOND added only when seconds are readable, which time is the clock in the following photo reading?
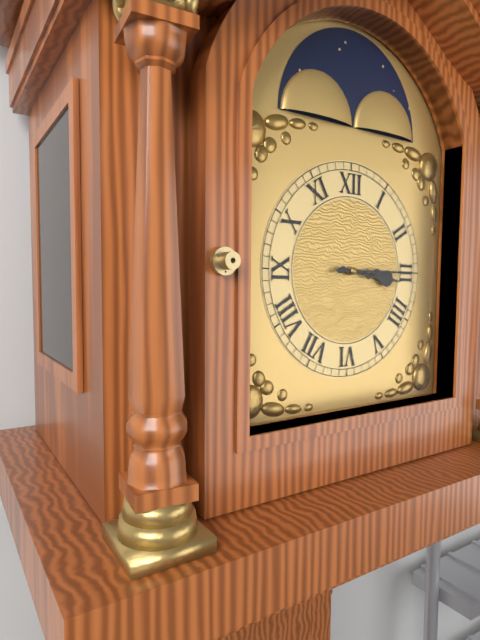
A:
h=3 m=15
